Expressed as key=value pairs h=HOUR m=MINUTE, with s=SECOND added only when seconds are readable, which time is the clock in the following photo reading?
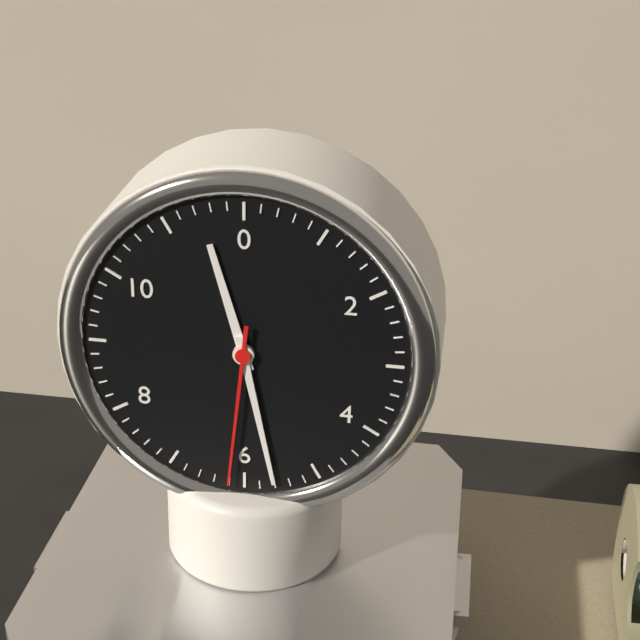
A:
h=11 m=28 s=31
